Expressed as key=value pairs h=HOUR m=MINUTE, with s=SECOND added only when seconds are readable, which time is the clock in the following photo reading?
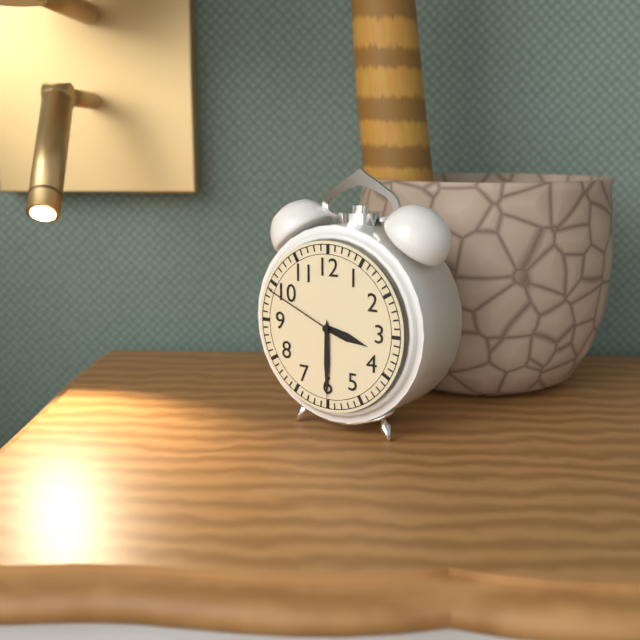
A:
h=3 m=30 s=49
